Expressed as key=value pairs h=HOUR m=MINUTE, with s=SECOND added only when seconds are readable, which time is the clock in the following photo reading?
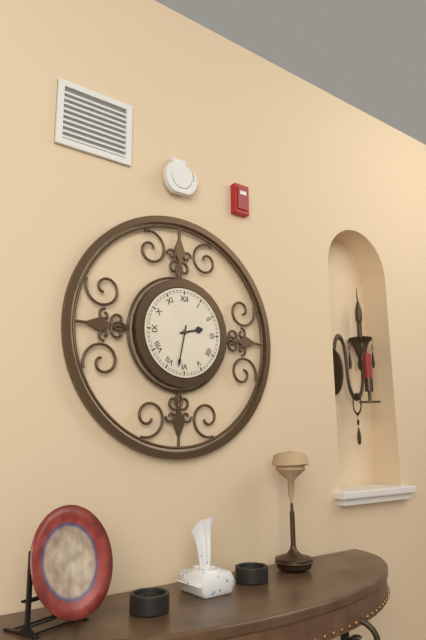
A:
h=2 m=32
